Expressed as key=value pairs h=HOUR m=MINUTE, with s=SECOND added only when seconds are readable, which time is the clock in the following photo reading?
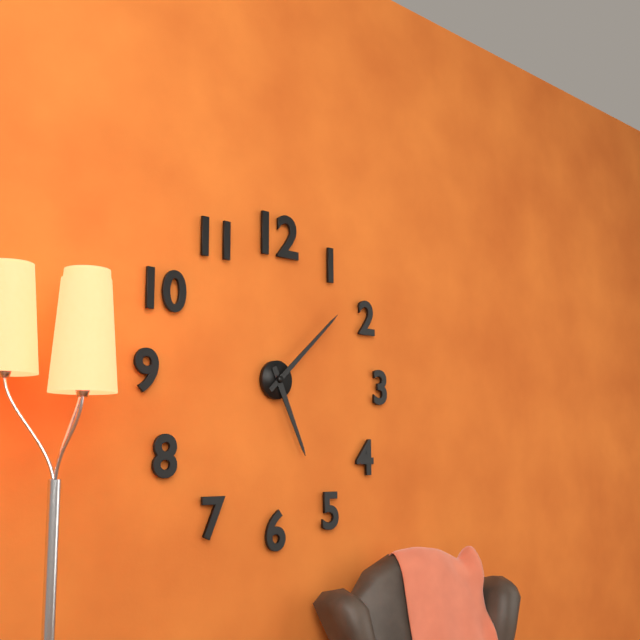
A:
h=5 m=8
